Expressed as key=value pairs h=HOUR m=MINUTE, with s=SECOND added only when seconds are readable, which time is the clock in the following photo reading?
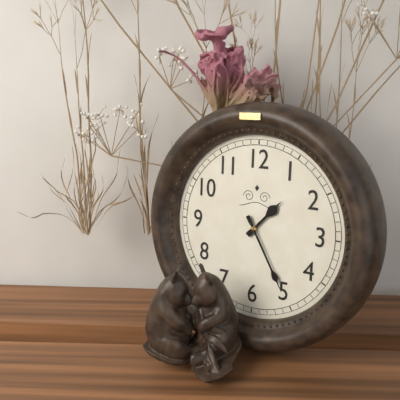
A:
h=1 m=25
